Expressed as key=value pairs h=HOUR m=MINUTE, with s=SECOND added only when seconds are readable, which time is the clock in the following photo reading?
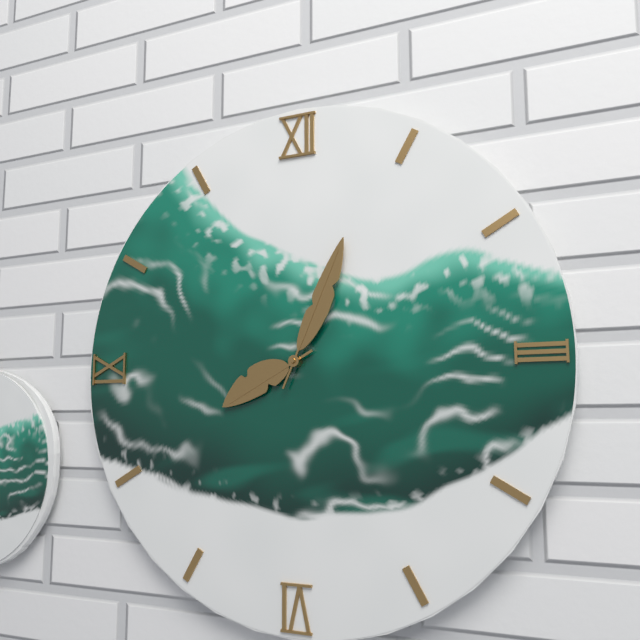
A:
h=8 m=4
